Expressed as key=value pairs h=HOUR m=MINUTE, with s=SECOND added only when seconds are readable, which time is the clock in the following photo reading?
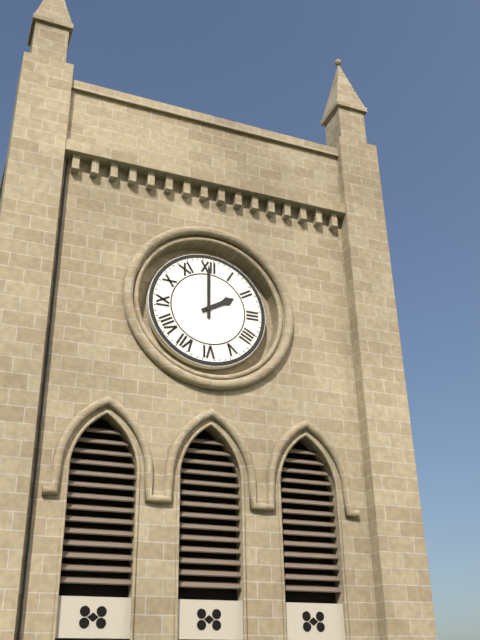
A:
h=2 m=0
